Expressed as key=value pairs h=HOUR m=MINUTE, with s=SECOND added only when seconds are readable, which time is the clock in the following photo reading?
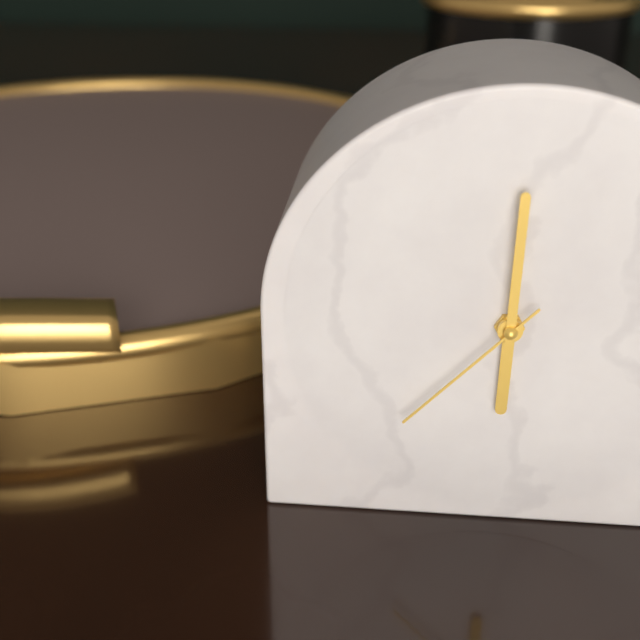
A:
h=6 m=0 s=37
